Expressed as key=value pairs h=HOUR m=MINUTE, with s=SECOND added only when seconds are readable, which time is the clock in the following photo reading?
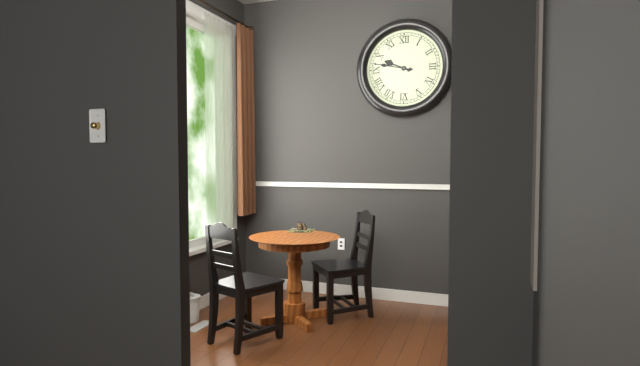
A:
h=9 m=47
